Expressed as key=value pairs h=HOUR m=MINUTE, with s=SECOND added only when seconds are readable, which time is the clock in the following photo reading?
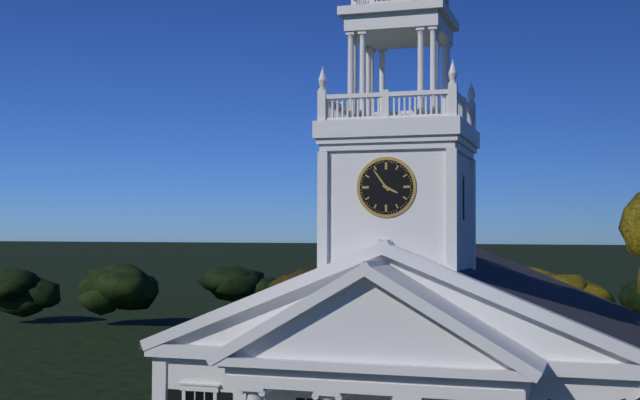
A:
h=3 m=54
